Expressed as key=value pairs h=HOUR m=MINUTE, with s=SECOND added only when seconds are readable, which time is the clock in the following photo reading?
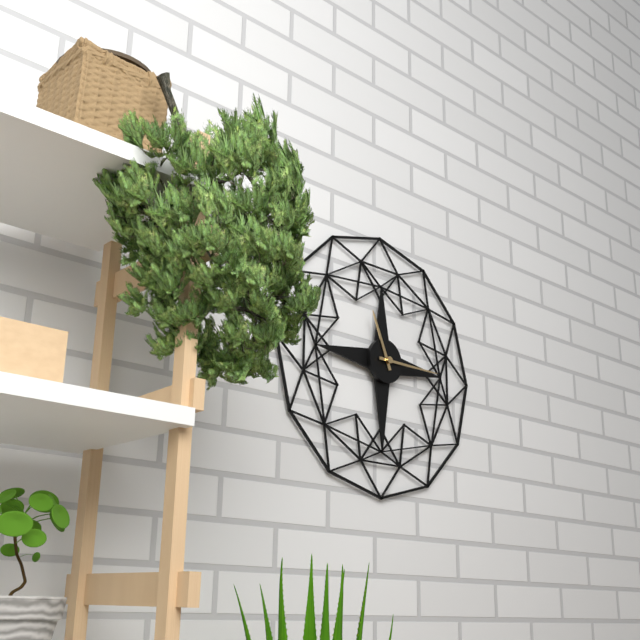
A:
h=11 m=15
